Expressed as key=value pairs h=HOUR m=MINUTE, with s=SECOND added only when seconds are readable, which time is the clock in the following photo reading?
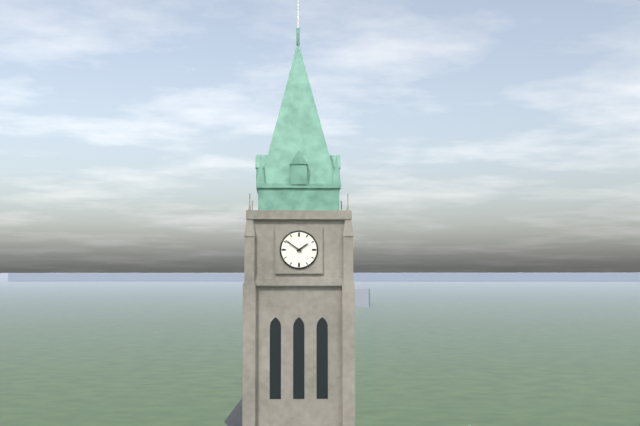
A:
h=1 m=51
